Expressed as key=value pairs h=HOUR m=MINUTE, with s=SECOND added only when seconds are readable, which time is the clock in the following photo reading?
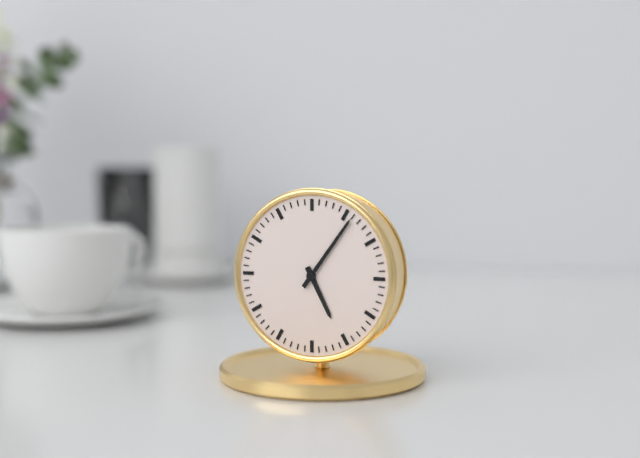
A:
h=5 m=6
